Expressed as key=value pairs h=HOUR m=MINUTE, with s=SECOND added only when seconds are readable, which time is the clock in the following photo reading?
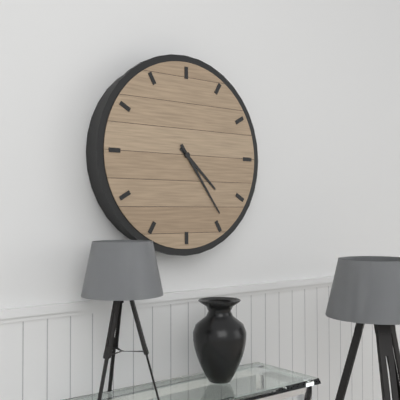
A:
h=4 m=24
